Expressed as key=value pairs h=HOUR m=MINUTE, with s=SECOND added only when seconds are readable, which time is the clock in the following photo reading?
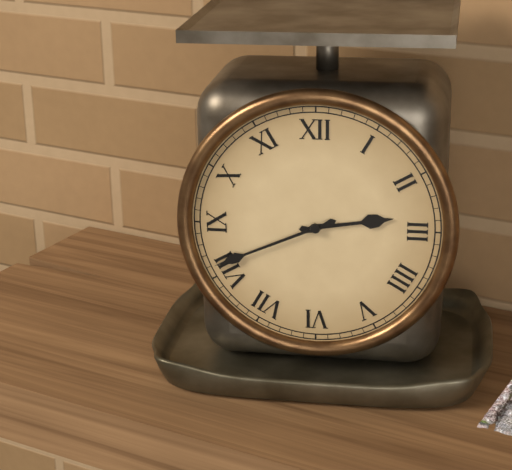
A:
h=2 m=41
